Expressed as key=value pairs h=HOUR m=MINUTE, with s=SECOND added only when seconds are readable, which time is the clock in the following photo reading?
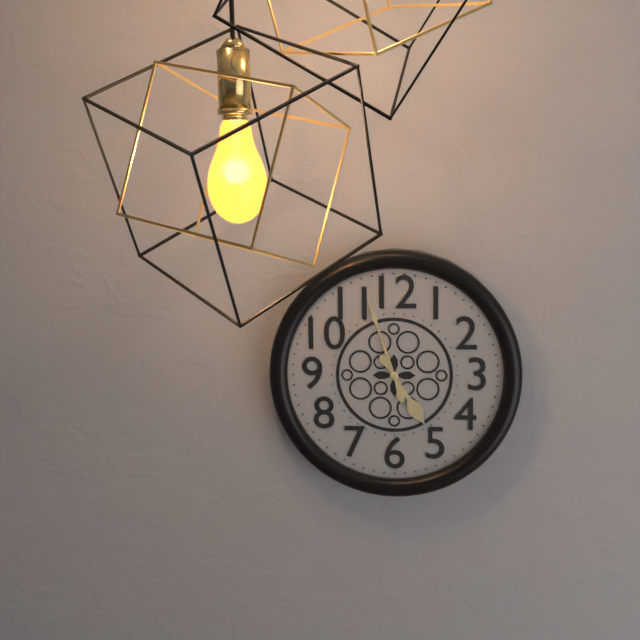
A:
h=4 m=57
